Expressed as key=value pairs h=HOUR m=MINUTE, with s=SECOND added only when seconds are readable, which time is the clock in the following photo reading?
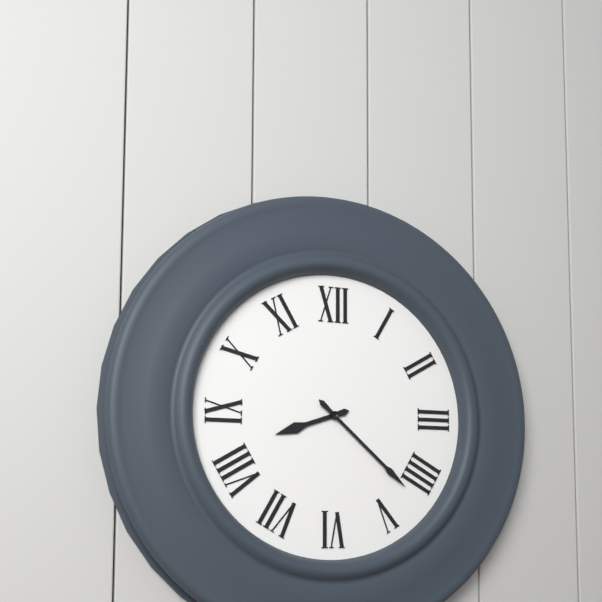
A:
h=8 m=22
